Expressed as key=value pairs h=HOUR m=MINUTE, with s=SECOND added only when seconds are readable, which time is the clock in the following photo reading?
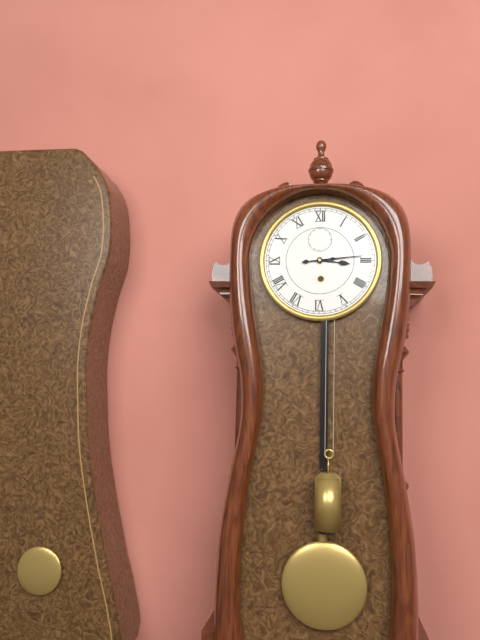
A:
h=3 m=14
